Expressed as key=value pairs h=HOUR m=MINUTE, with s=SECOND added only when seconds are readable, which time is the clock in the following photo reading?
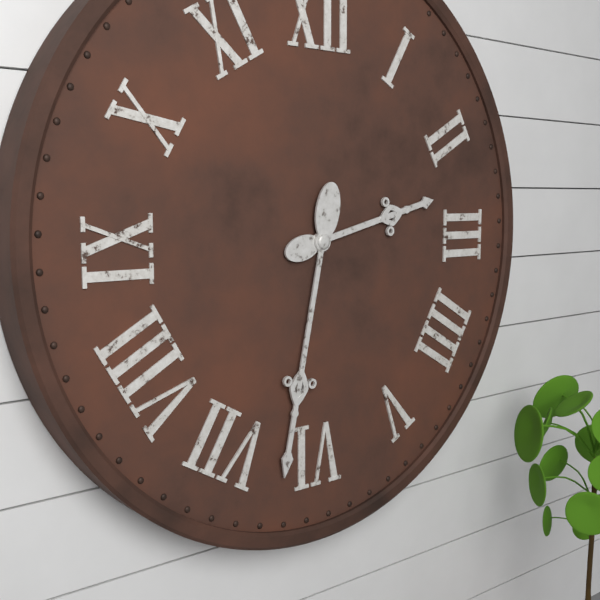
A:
h=2 m=32
